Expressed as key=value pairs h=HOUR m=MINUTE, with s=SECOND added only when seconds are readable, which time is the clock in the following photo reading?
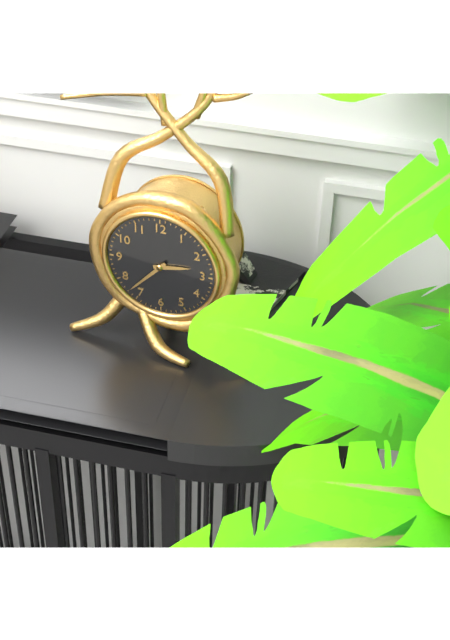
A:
h=2 m=37
